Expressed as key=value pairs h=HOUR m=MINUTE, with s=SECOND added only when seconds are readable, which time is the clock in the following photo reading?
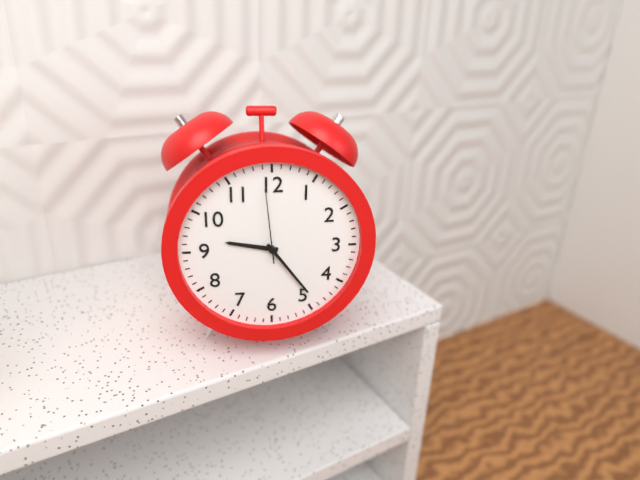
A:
h=9 m=24 s=59
